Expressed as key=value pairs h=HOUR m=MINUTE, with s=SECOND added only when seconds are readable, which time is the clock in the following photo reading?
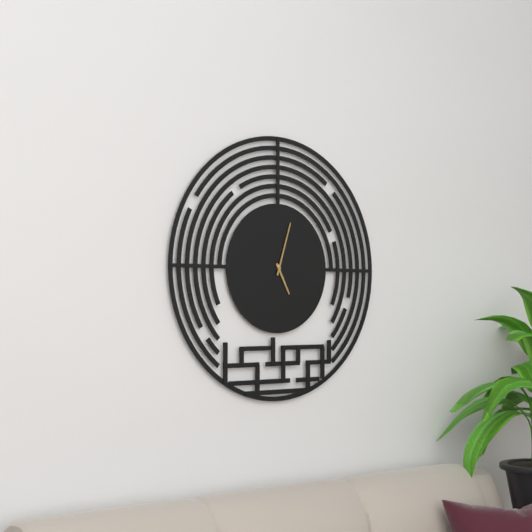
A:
h=5 m=3
